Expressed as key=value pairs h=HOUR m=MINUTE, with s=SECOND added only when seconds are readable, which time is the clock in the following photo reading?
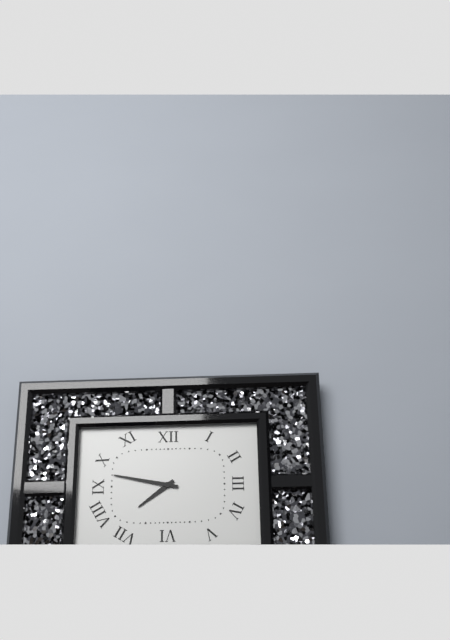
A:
h=7 m=47
